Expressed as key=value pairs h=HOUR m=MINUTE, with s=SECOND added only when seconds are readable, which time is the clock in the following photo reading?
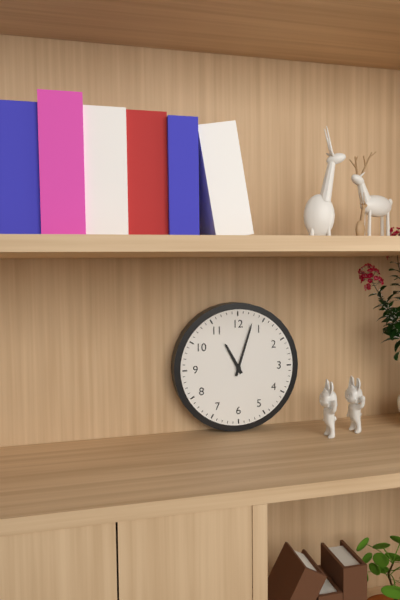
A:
h=11 m=3
